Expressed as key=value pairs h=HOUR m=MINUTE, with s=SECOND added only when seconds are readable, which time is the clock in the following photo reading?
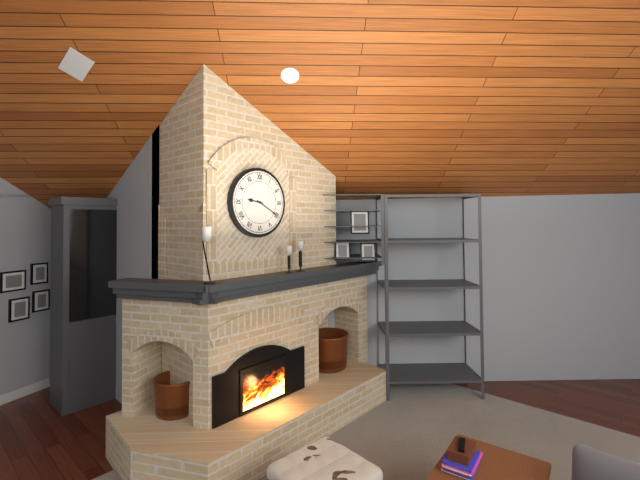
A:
h=9 m=20
